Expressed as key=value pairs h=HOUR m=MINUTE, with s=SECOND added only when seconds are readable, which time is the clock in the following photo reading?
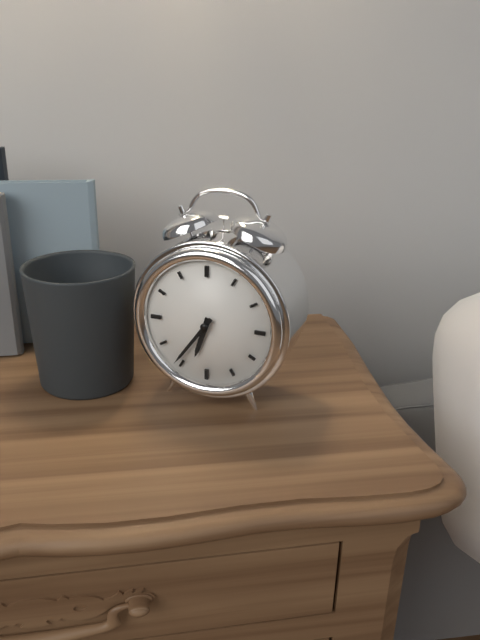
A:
h=6 m=36
